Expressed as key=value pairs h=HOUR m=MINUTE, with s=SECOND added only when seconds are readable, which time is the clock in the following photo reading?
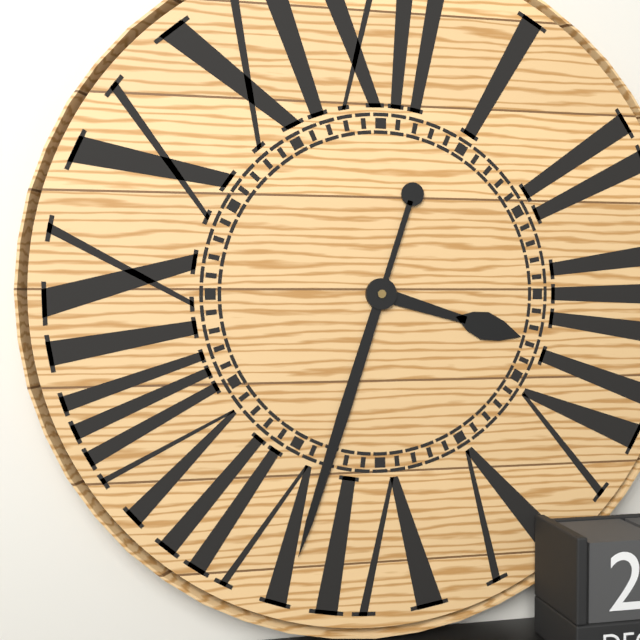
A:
h=3 m=33
